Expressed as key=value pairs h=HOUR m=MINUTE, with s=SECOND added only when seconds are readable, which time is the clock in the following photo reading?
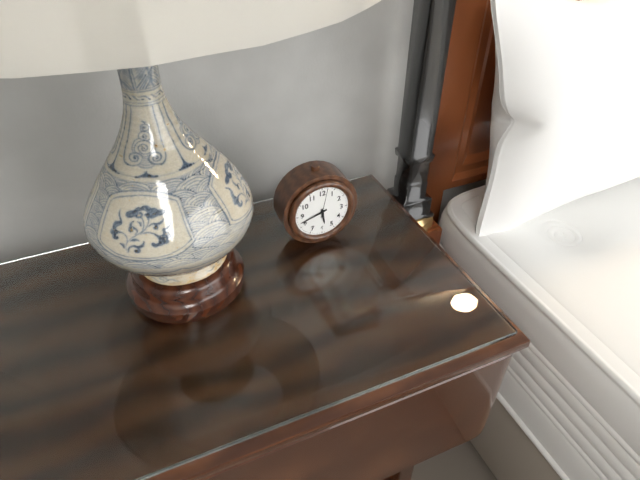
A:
h=5 m=42
